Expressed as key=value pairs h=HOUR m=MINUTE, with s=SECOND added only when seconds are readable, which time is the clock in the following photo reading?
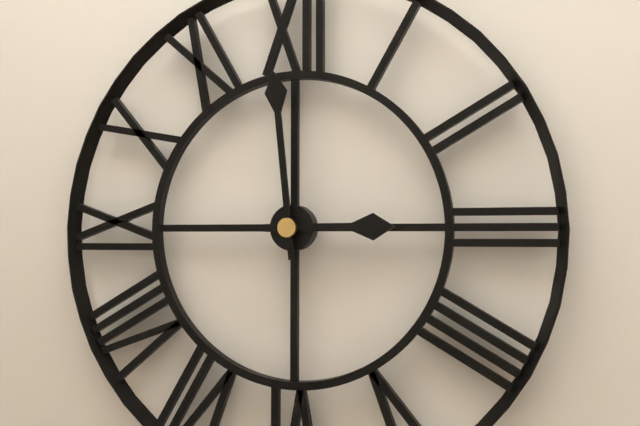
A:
h=2 m=59
